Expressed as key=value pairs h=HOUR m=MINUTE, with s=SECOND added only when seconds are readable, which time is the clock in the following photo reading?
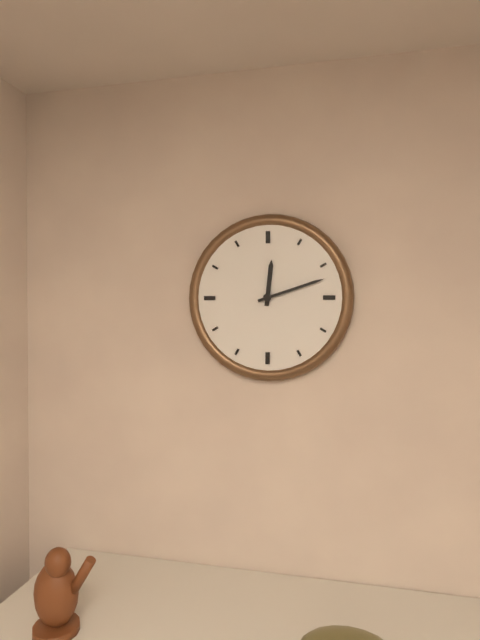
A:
h=12 m=12
